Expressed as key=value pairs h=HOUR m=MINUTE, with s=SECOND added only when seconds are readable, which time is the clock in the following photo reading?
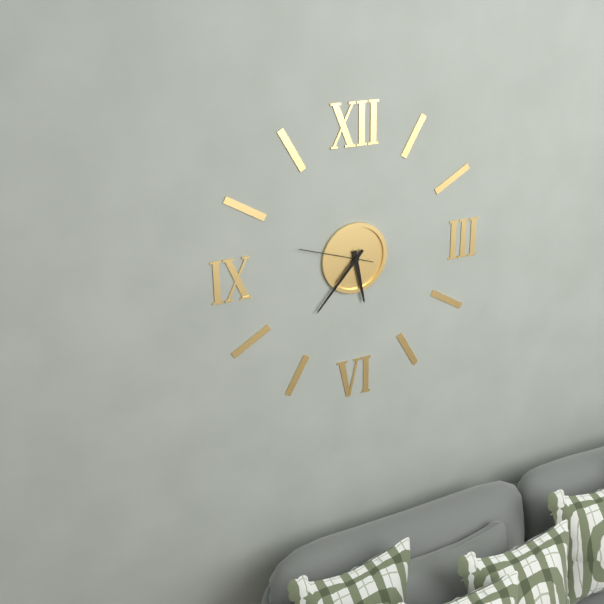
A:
h=5 m=37 s=48
